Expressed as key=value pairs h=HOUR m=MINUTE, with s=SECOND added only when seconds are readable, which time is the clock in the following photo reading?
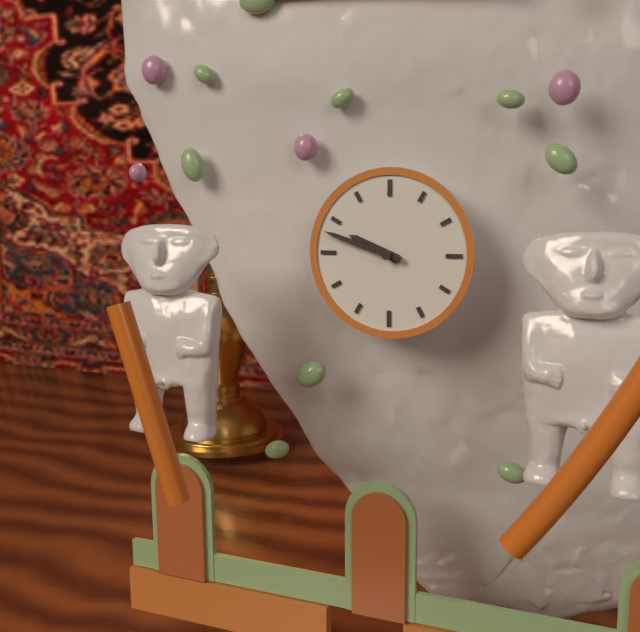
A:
h=9 m=48
